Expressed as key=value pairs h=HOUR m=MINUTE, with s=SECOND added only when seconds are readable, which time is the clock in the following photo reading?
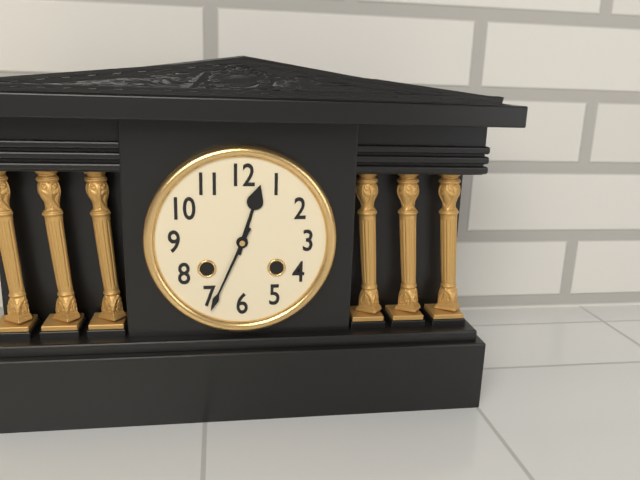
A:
h=12 m=34
